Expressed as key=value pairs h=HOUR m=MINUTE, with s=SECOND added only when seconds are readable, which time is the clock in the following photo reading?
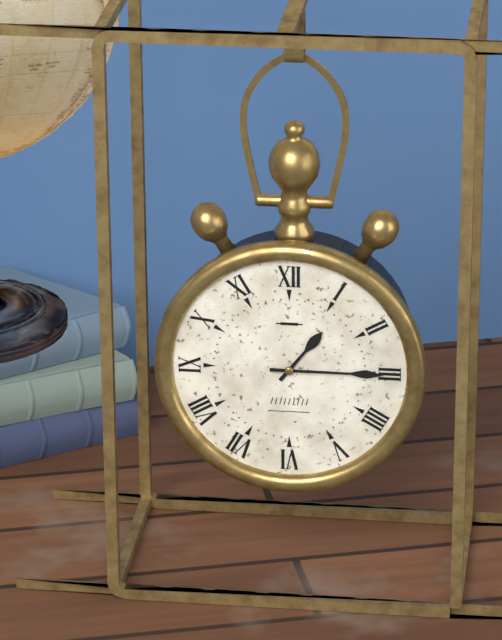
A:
h=1 m=15
